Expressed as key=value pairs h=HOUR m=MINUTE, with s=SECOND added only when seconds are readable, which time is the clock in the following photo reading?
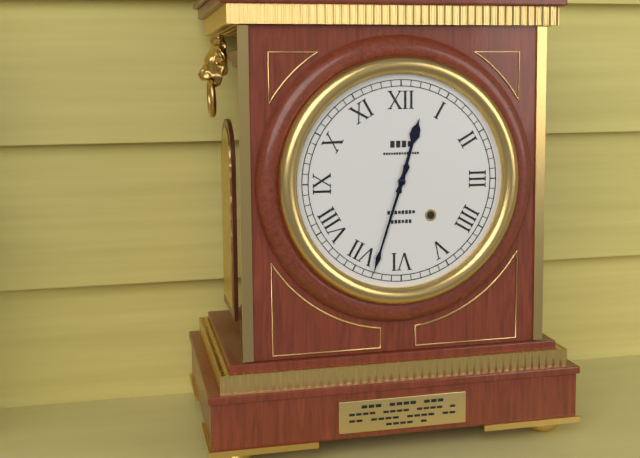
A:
h=12 m=33
